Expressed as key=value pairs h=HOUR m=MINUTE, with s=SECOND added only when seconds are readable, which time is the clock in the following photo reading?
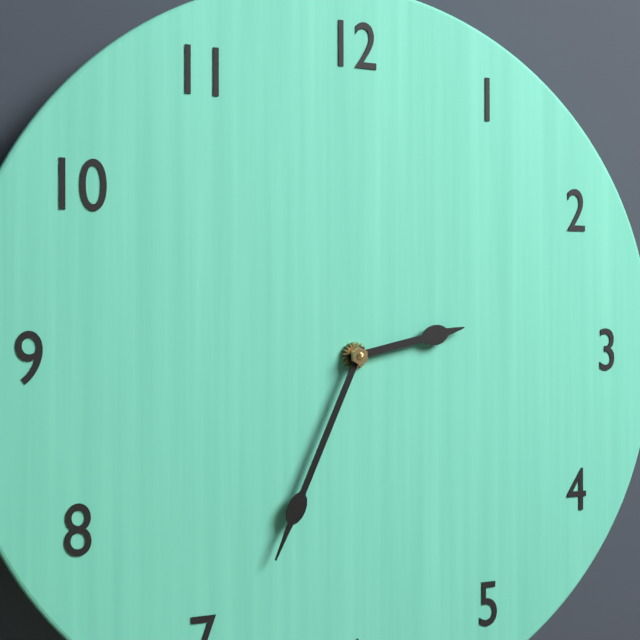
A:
h=2 m=34
